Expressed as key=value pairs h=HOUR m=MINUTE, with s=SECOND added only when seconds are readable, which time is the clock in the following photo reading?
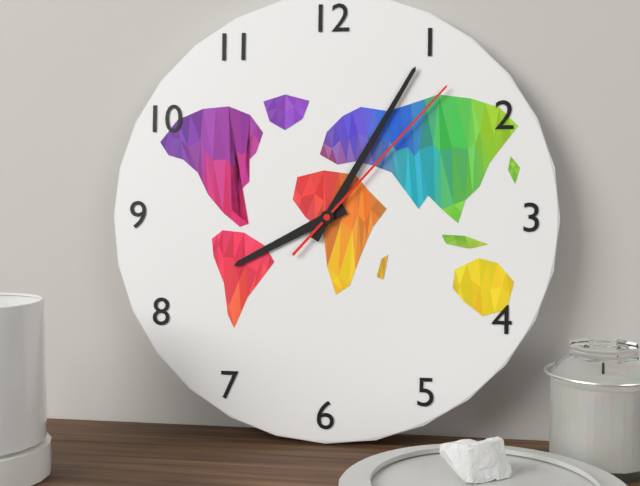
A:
h=8 m=5 s=7
